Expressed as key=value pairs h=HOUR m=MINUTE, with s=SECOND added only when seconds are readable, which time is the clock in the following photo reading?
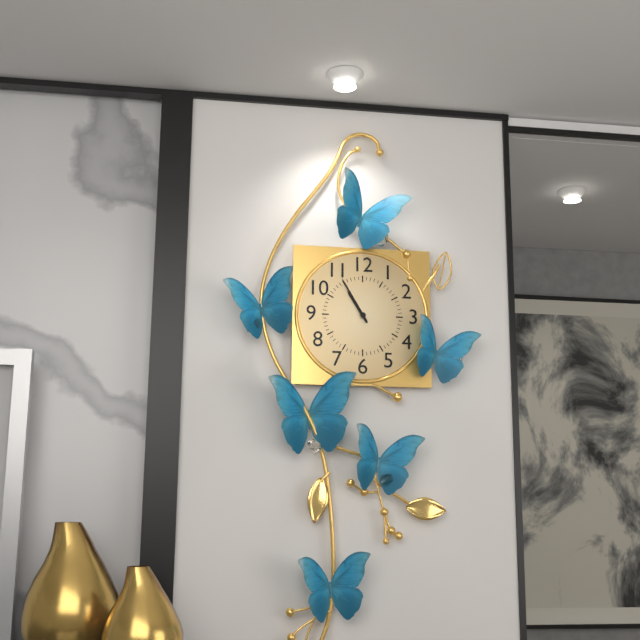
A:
h=10 m=55
